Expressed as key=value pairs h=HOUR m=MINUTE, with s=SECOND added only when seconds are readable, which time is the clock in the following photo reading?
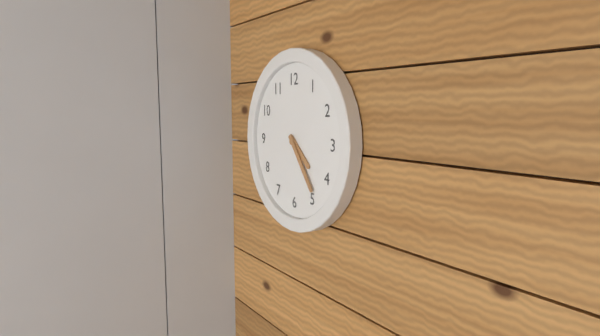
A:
h=4 m=24
